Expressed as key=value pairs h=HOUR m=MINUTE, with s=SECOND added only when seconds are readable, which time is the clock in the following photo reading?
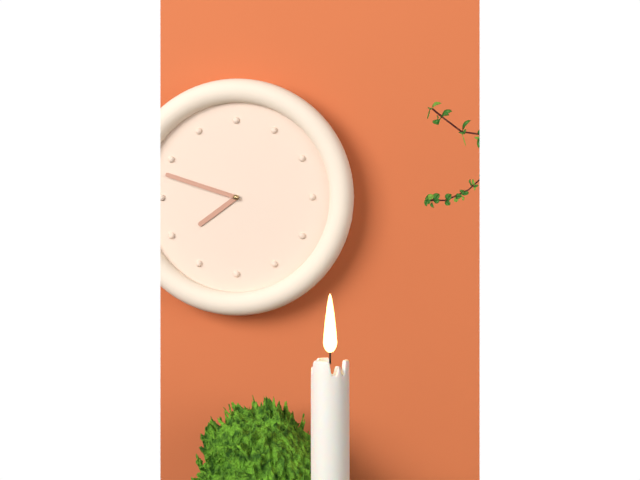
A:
h=7 m=48
